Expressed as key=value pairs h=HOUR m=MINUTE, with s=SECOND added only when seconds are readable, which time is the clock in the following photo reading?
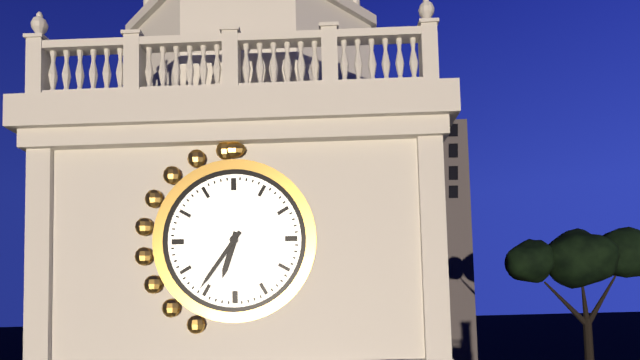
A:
h=6 m=36
